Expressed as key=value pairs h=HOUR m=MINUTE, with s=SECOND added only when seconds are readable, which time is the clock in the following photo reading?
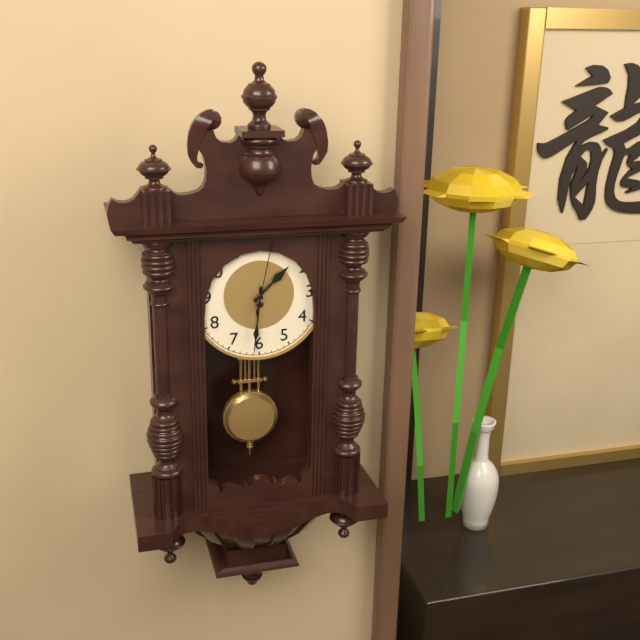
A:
h=1 m=31 s=2
